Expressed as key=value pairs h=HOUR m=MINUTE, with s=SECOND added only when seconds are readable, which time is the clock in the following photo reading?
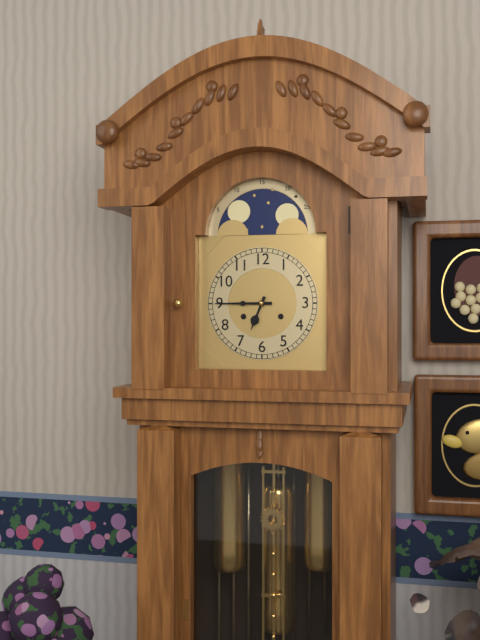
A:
h=6 m=45
